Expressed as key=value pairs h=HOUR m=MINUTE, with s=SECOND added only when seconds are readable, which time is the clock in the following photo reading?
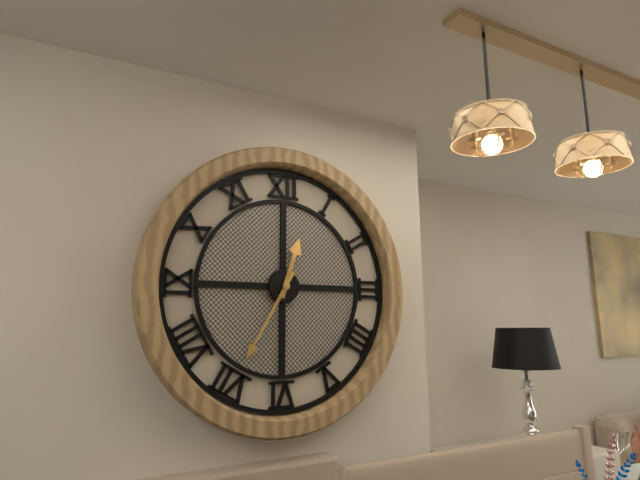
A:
h=12 m=35
